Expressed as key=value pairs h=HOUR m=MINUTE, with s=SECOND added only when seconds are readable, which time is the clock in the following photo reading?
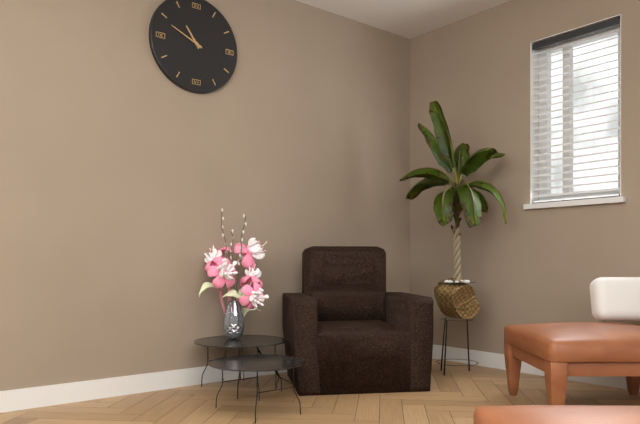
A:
h=10 m=49
